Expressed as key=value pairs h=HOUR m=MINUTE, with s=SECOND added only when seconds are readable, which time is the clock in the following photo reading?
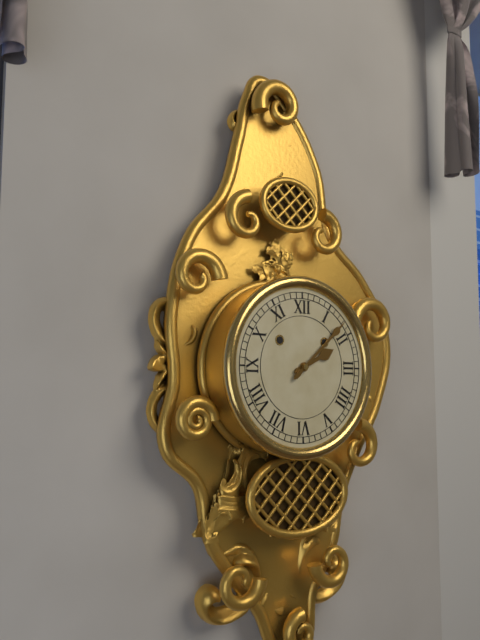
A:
h=2 m=8
